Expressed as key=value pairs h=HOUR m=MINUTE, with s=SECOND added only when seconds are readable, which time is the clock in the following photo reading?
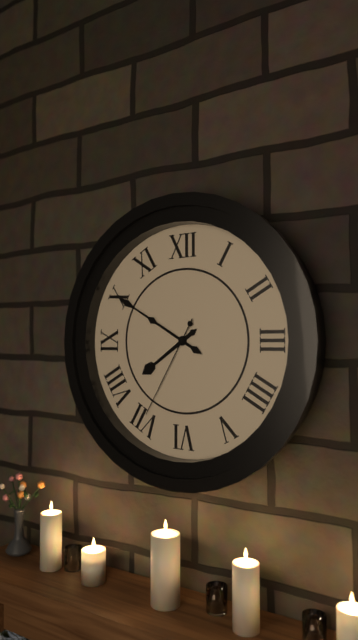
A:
h=7 m=50 s=35
